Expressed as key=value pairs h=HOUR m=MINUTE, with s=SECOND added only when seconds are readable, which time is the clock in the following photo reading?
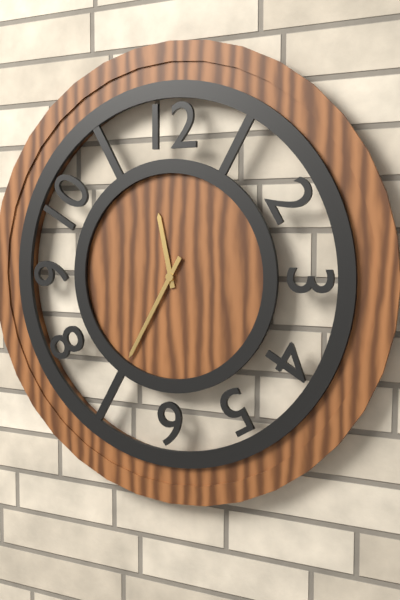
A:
h=11 m=35
